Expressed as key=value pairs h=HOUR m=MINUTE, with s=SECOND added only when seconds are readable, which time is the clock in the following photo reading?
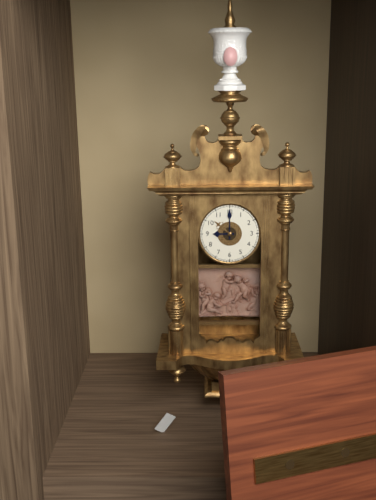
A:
h=9 m=0
